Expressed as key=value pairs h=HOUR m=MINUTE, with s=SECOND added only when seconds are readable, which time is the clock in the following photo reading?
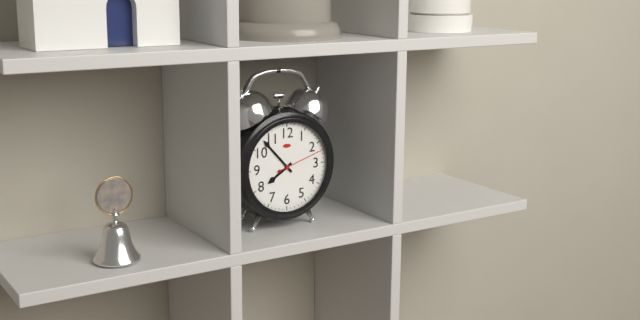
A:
h=7 m=53
